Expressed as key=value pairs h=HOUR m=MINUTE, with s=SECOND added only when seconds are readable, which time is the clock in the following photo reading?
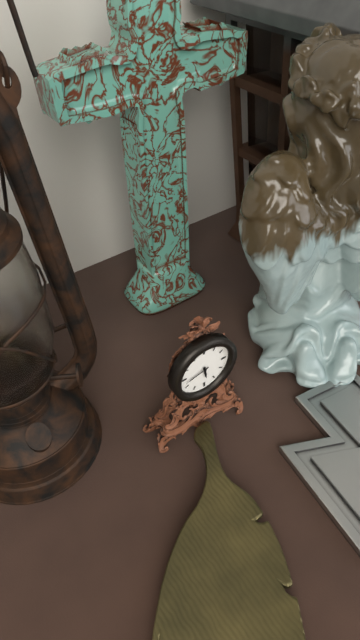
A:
h=5 m=43
